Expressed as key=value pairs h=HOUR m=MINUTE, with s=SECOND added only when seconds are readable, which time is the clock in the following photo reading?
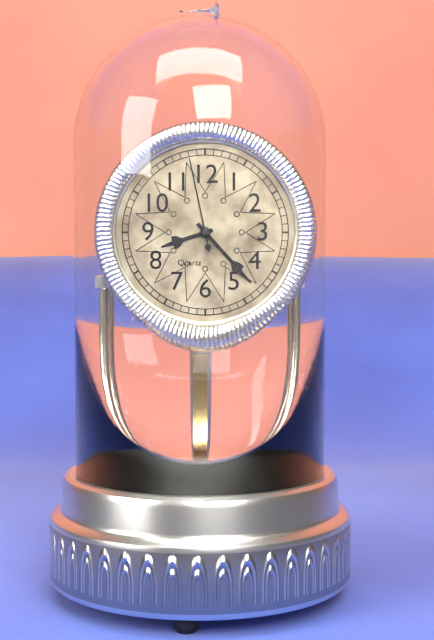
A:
h=8 m=23 s=58
